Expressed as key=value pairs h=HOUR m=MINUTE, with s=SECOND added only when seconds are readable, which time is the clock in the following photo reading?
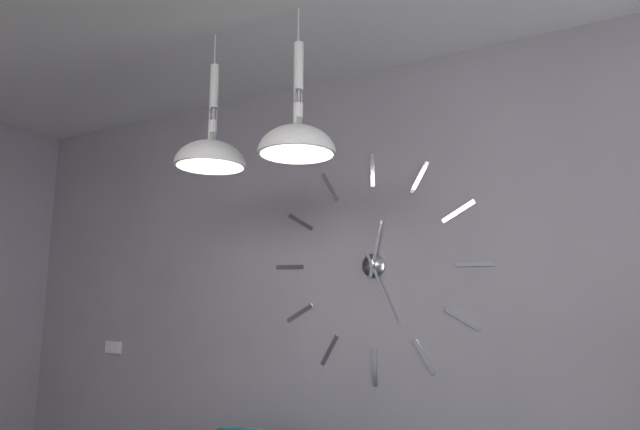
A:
h=12 m=26
